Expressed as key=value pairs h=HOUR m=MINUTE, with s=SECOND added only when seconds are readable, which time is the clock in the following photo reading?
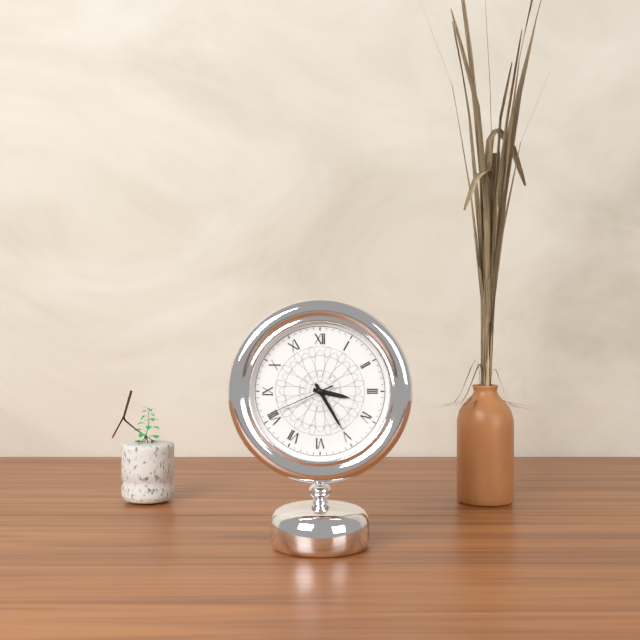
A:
h=3 m=25 s=41
